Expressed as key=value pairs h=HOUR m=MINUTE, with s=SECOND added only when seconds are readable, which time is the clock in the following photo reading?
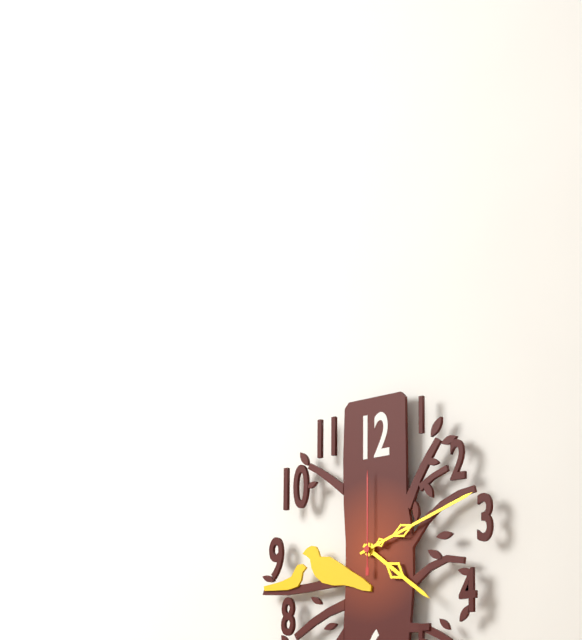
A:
h=4 m=12 s=0
